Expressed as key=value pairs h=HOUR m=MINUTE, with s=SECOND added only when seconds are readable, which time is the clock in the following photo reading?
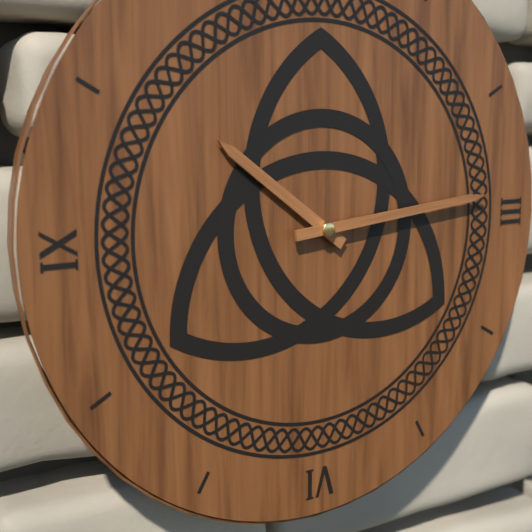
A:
h=10 m=14
